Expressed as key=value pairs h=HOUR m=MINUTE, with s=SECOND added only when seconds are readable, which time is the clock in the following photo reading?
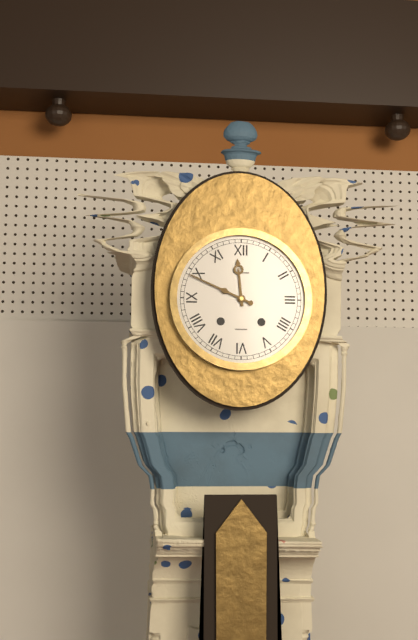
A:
h=11 m=49
